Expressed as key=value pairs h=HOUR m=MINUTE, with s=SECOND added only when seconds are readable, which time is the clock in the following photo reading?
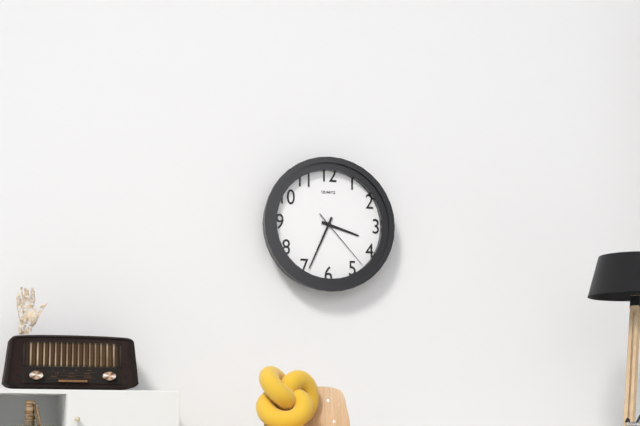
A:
h=3 m=34 s=23
